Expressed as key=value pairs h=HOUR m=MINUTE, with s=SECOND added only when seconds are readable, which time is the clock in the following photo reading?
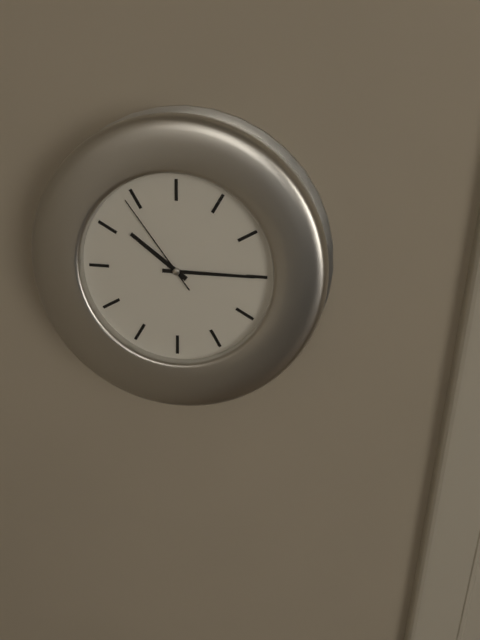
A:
h=10 m=15 s=54
